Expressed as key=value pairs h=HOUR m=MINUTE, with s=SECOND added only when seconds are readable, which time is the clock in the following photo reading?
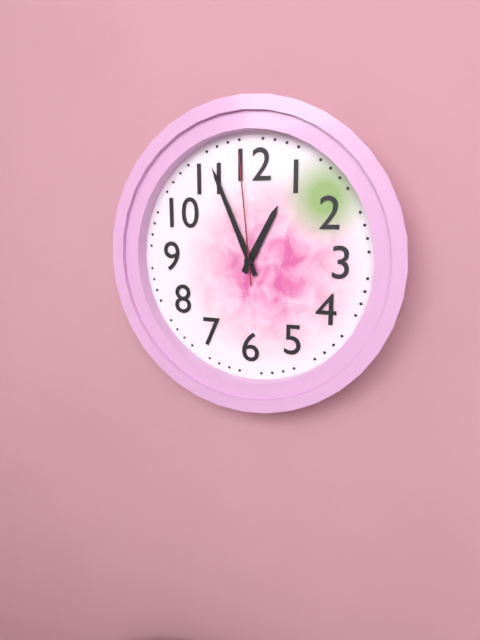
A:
h=12 m=56 s=59
